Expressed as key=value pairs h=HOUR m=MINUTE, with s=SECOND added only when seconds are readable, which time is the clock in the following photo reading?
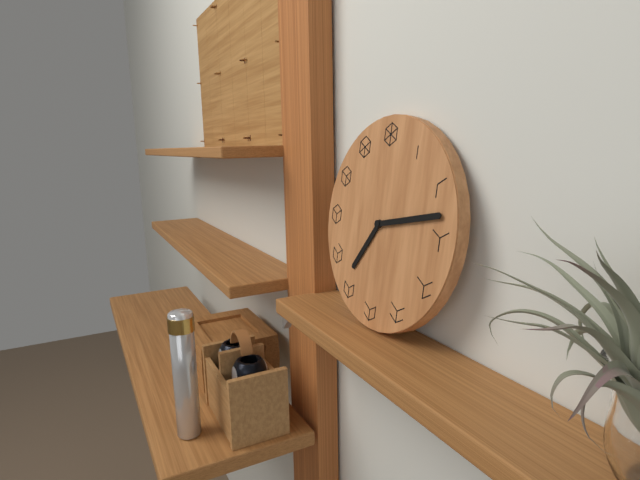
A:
h=7 m=13
